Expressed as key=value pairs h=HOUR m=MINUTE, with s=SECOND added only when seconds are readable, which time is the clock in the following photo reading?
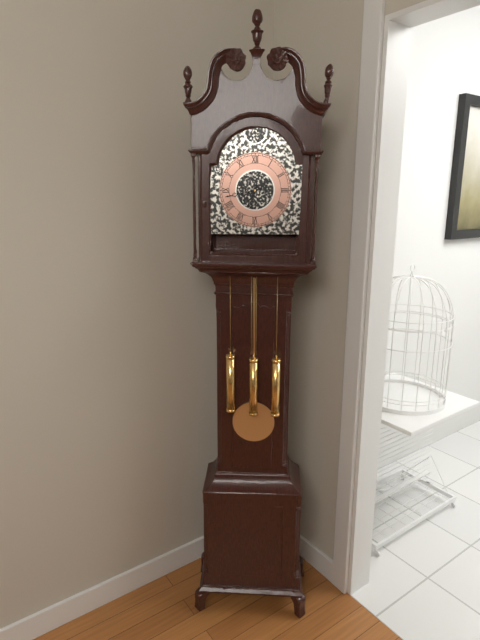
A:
h=6 m=43
